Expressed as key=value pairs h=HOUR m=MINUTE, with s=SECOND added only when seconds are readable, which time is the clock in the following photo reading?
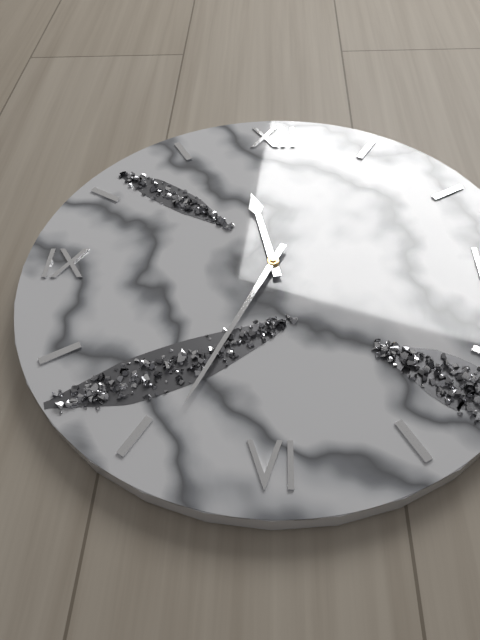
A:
h=11 m=34
